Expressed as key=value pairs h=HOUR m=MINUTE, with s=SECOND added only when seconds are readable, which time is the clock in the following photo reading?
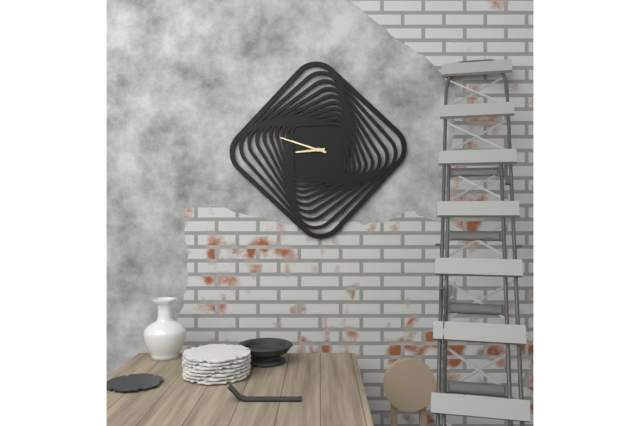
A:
h=8 m=48
